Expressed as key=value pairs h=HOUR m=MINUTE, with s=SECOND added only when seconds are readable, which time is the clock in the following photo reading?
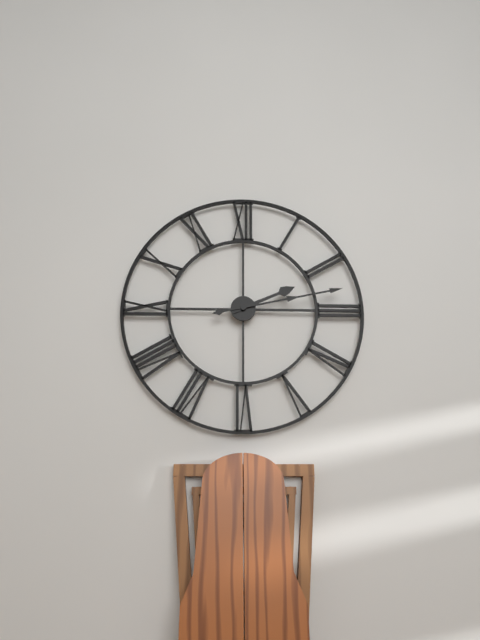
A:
h=2 m=13
